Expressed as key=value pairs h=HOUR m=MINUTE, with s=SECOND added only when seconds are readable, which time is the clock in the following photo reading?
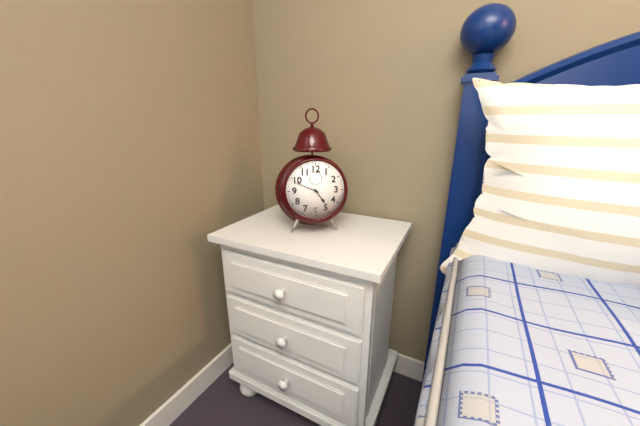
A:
h=4 m=49
